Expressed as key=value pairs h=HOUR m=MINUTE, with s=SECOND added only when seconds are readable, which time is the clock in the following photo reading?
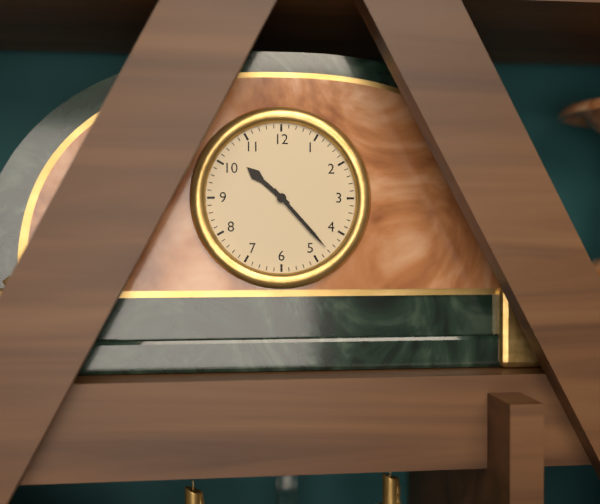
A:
h=10 m=23
